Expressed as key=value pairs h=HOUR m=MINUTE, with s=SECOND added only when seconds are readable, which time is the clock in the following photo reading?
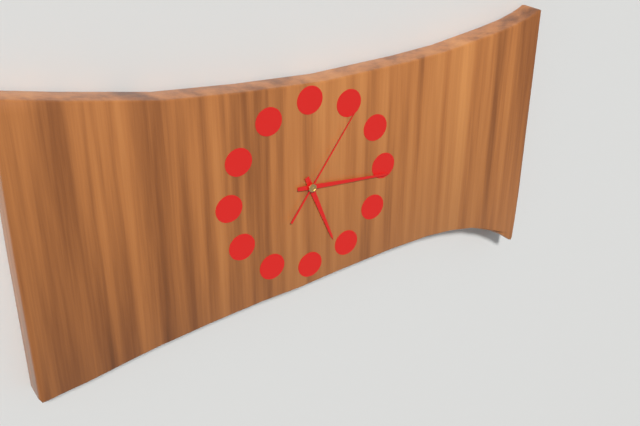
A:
h=5 m=16 s=6
